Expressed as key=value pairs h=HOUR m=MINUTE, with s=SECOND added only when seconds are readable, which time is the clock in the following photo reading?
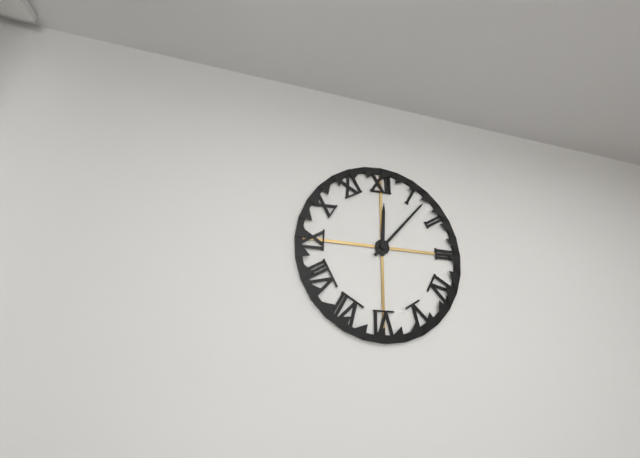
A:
h=12 m=7
